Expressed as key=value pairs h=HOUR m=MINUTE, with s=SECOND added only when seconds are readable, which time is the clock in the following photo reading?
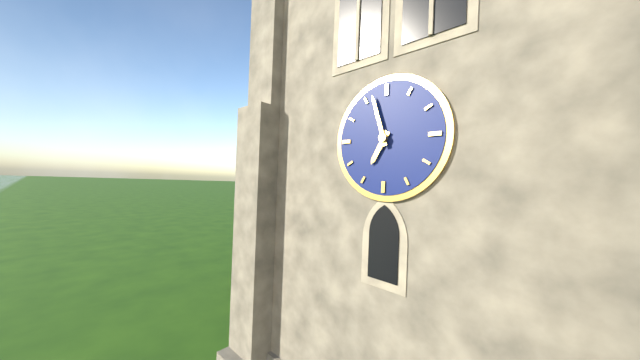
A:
h=6 m=57
